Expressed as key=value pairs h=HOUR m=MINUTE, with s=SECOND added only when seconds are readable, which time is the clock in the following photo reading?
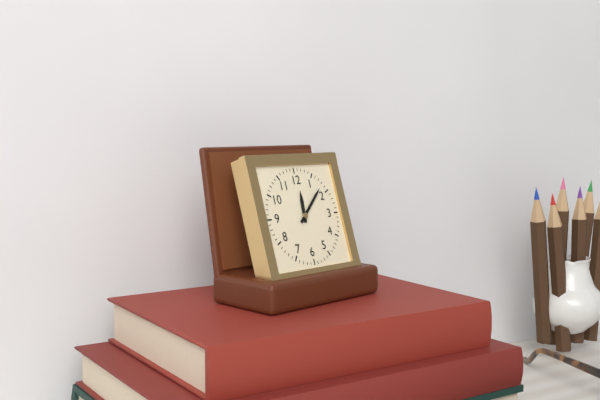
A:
h=12 m=8
